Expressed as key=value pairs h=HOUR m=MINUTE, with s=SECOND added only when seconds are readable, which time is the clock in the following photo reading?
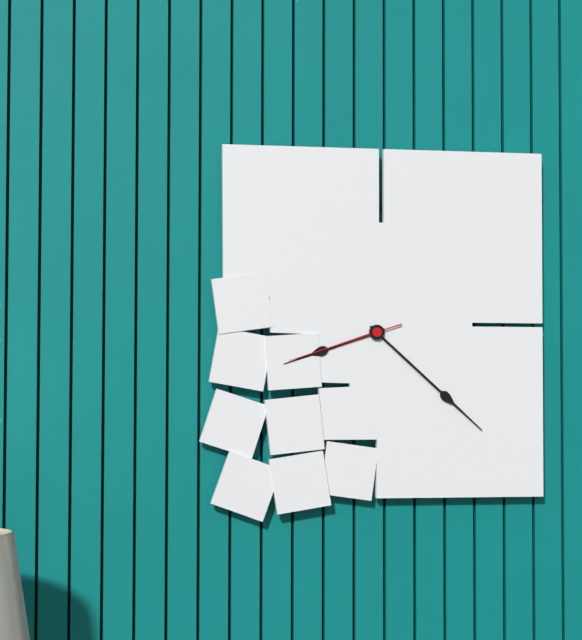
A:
h=8 m=22 s=42
